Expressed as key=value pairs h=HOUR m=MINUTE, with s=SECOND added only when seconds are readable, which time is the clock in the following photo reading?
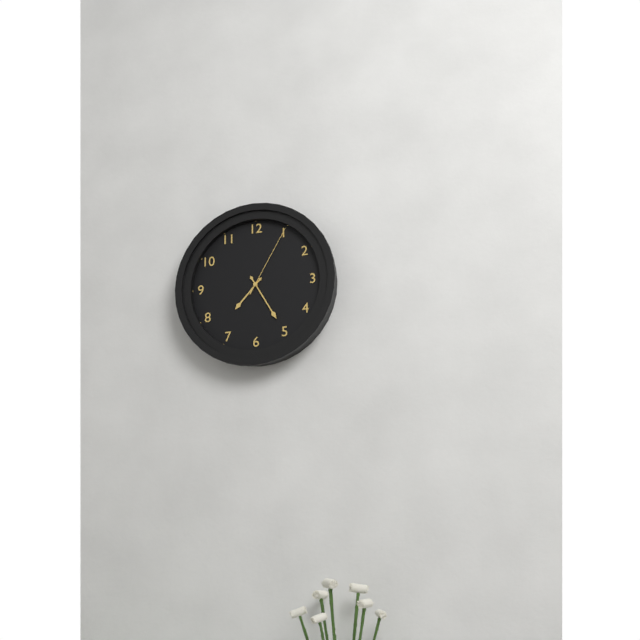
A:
h=7 m=25 s=5
